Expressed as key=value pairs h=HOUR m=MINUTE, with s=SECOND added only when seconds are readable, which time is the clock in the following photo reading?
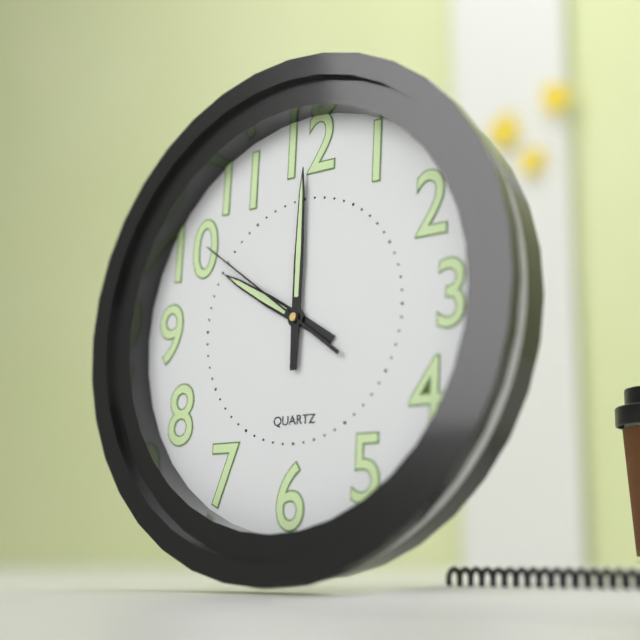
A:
h=10 m=0 s=51
